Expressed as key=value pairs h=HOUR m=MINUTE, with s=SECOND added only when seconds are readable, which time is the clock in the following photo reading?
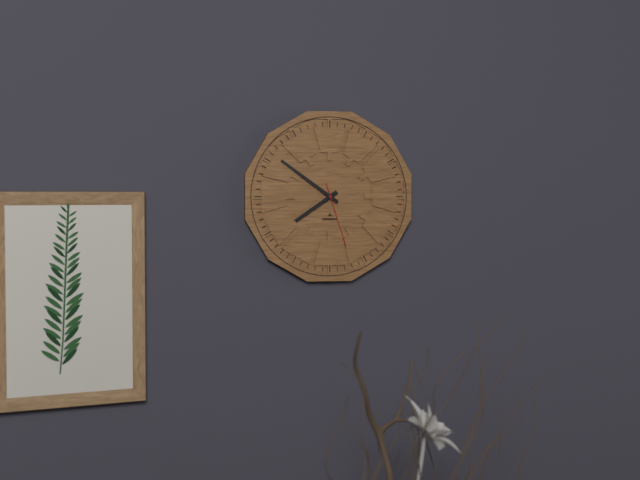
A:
h=7 m=51 s=27
